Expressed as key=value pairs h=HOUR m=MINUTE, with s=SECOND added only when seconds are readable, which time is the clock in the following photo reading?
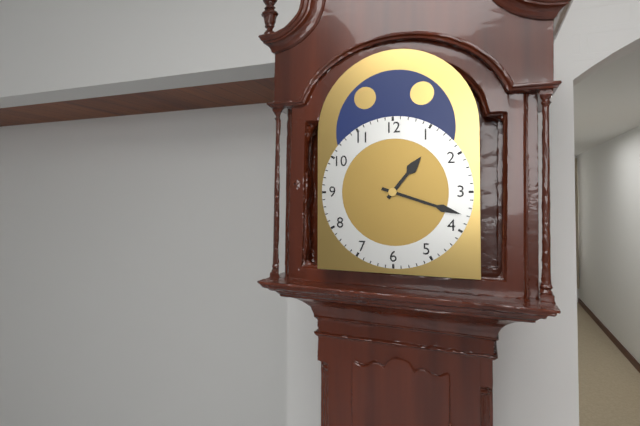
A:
h=1 m=18
